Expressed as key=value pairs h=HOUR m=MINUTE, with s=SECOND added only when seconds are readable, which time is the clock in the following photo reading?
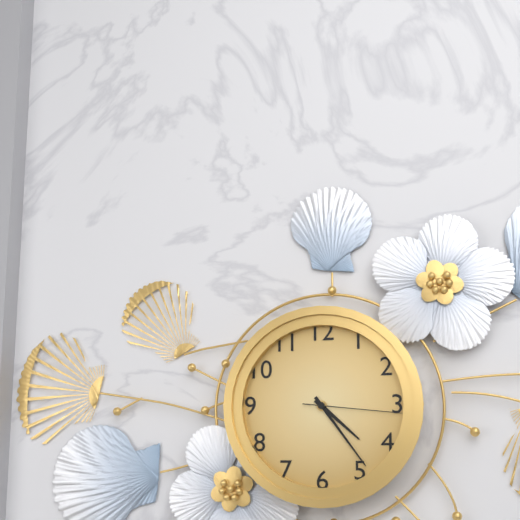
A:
h=4 m=24 s=16
